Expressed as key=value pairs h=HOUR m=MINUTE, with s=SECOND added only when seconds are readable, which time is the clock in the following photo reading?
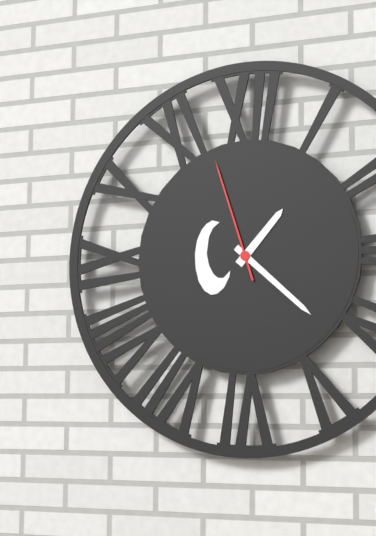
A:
h=1 m=22 s=57
